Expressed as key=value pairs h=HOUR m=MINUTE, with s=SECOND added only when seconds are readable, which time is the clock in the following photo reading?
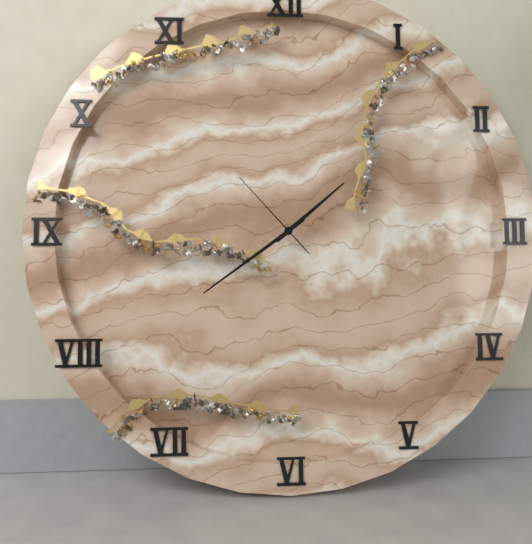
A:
h=1 m=39 s=53
